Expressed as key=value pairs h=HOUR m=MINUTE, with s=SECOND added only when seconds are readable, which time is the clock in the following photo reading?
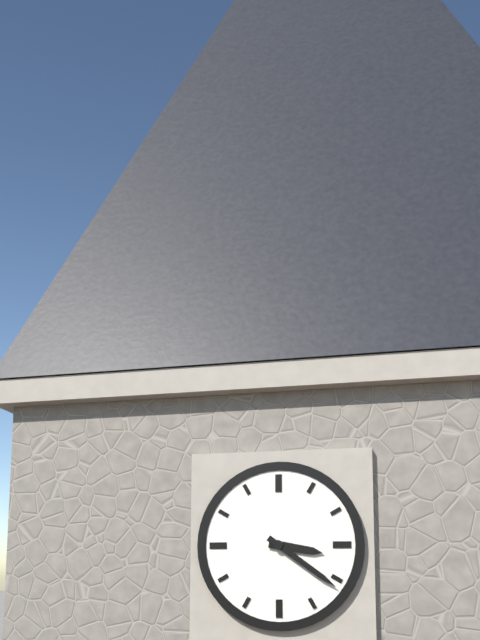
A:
h=3 m=21
